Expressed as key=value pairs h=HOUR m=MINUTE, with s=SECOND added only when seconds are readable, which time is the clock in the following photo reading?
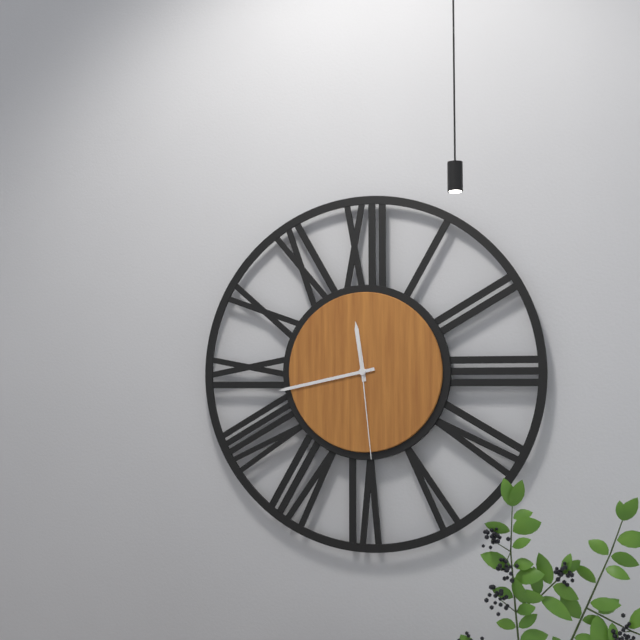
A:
h=11 m=43 s=29
